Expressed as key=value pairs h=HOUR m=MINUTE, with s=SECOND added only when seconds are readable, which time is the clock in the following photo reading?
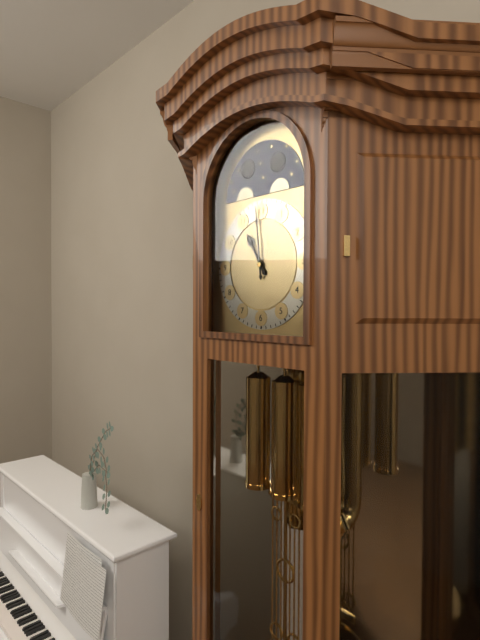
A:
h=10 m=59
